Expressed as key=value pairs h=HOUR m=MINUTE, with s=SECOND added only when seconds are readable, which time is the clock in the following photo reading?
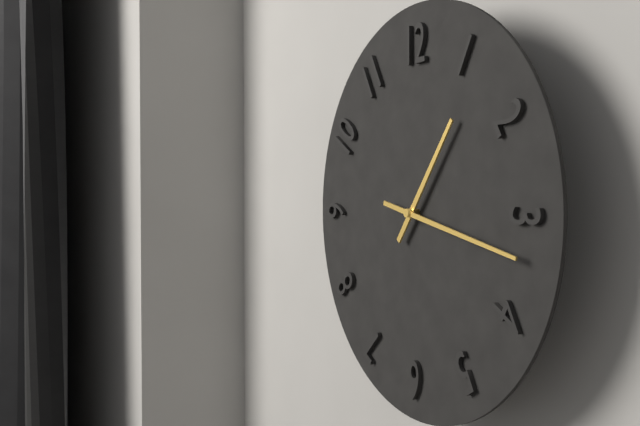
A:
h=1 m=17
